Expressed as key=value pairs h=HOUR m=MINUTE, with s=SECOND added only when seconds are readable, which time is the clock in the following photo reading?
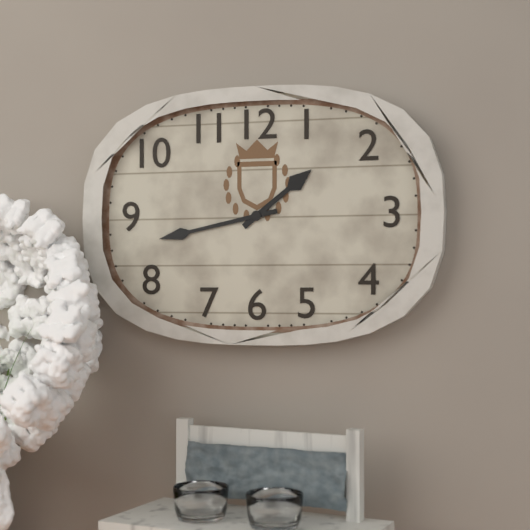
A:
h=1 m=43
